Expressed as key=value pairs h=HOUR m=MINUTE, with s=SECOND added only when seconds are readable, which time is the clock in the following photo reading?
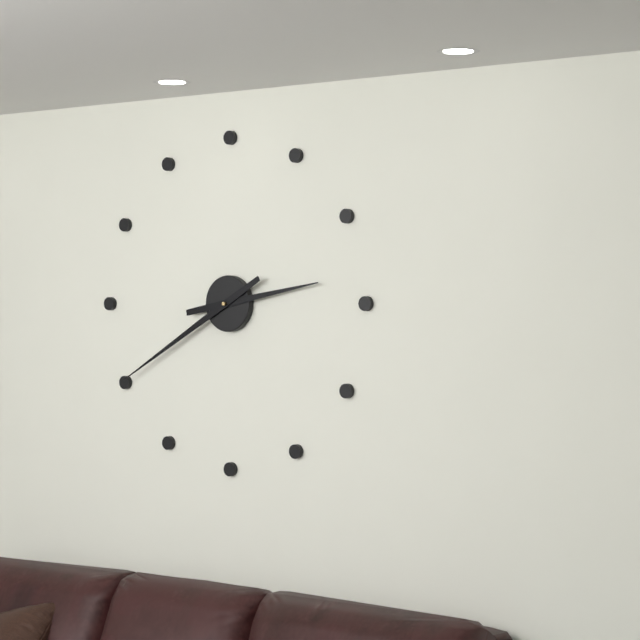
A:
h=2 m=40
